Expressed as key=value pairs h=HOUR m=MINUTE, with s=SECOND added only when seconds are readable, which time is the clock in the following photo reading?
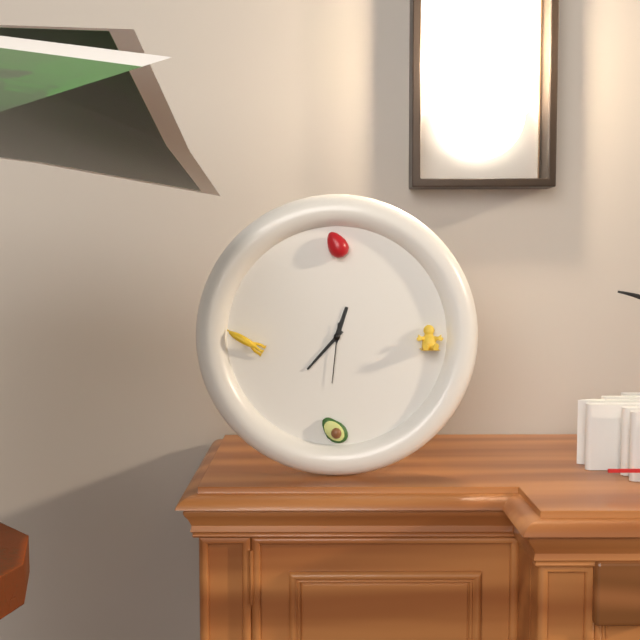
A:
h=12 m=37 s=31
